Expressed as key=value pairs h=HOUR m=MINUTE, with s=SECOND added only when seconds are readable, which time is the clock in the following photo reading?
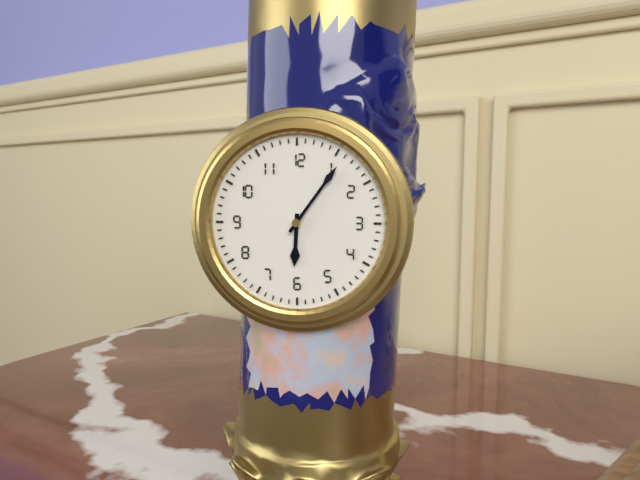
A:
h=6 m=6
